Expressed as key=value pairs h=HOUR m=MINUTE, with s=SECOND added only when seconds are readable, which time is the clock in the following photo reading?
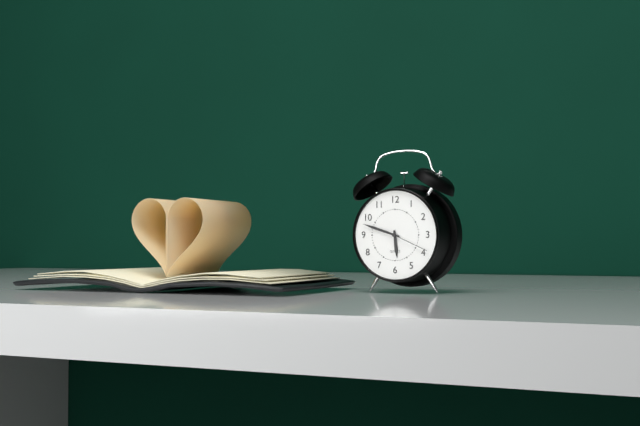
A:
h=5 m=48
